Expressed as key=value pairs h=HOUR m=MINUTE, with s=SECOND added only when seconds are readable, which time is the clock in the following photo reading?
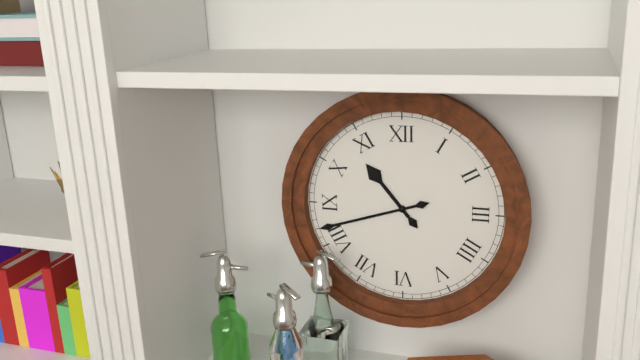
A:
h=10 m=42
